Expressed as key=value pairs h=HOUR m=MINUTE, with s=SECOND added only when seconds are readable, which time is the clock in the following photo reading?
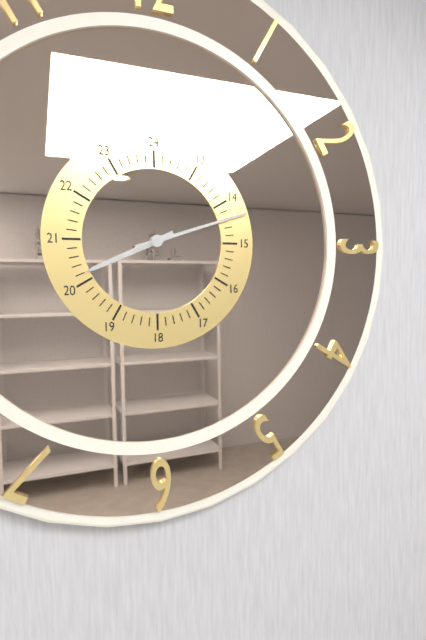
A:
h=8 m=12
